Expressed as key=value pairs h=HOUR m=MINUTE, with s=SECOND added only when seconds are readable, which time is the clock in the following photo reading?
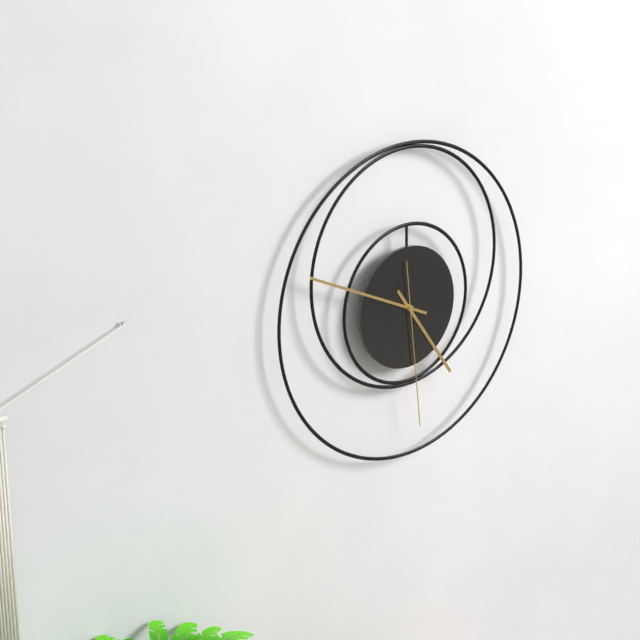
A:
h=4 m=49 s=29
